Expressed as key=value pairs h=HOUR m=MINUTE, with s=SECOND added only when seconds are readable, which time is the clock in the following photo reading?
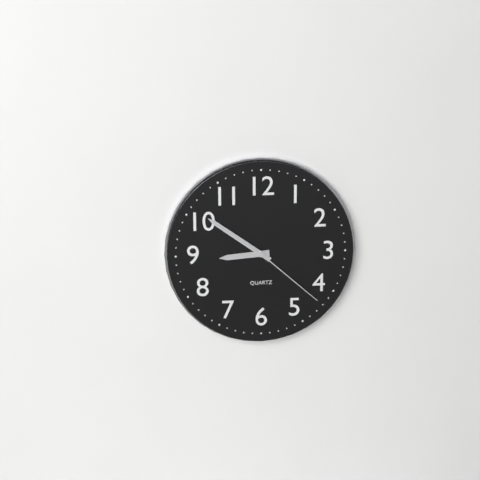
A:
h=8 m=51 s=22
